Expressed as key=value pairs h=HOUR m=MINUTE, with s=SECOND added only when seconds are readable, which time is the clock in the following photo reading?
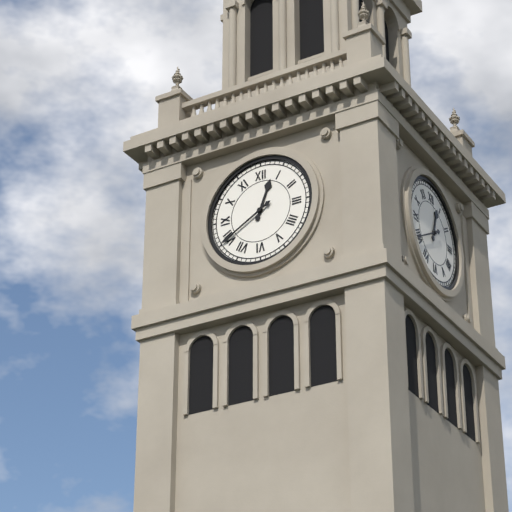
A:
h=12 m=40
